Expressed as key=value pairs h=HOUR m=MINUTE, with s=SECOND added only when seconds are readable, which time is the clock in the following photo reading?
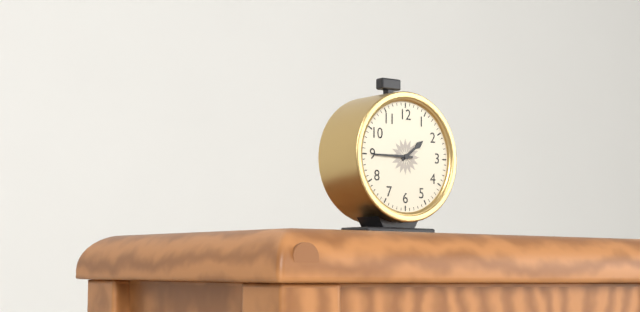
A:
h=1 m=45
